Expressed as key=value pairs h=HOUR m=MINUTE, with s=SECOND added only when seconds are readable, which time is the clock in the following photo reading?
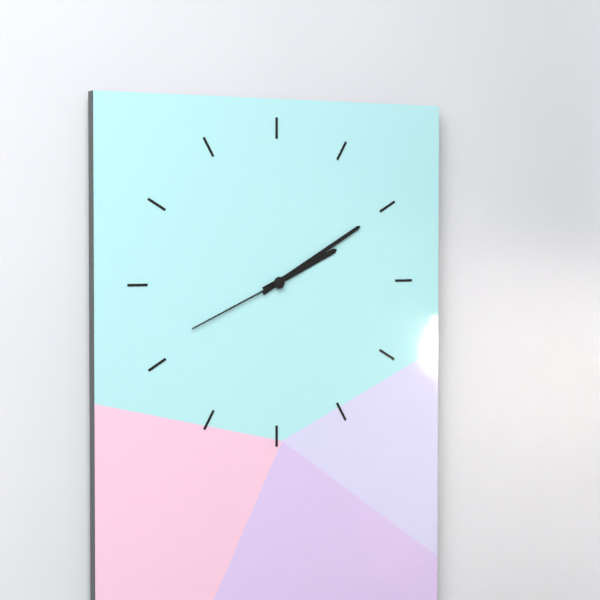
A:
h=2 m=10 s=41
